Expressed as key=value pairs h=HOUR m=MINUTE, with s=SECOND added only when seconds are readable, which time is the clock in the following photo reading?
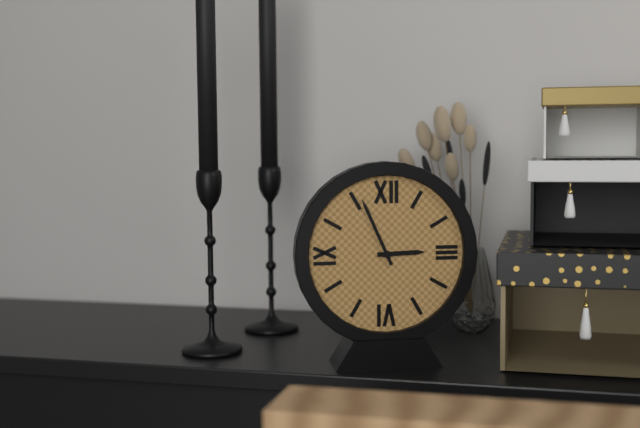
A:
h=2 m=56
